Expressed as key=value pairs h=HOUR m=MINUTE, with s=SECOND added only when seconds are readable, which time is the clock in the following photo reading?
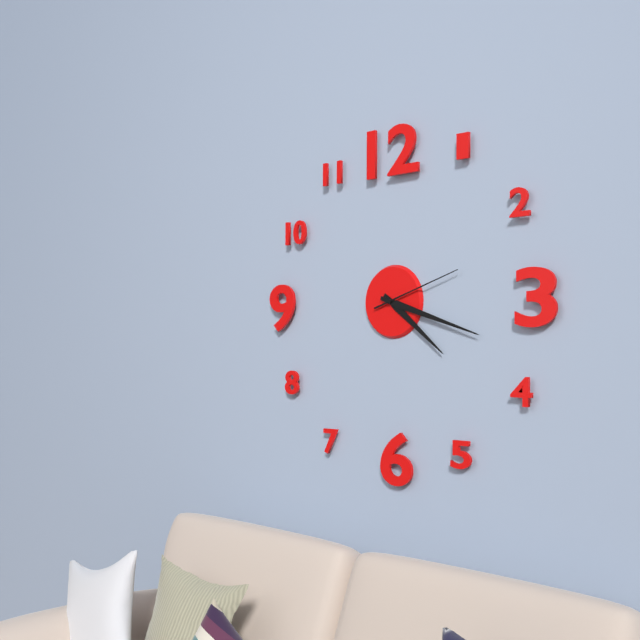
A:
h=4 m=18 s=12
